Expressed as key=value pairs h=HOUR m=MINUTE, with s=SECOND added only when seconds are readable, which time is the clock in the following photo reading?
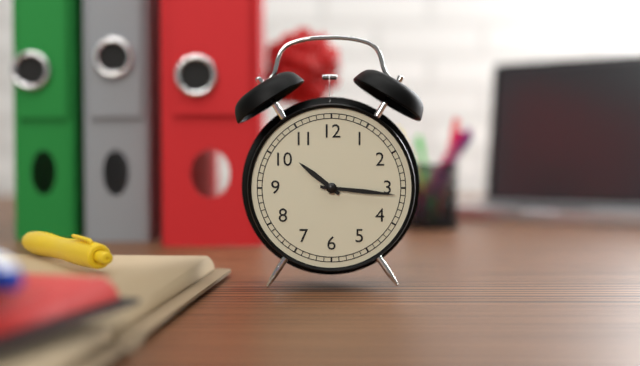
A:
h=10 m=16
